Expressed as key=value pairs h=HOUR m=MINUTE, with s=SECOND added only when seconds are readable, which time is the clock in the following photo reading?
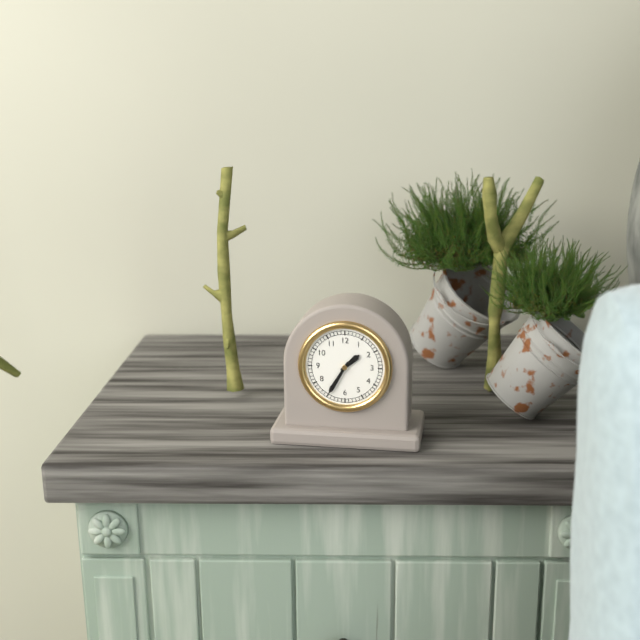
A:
h=1 m=35
